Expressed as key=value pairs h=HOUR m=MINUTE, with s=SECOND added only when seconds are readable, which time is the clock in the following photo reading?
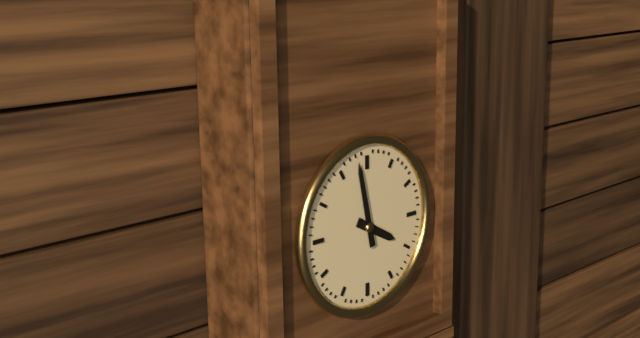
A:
h=3 m=58
